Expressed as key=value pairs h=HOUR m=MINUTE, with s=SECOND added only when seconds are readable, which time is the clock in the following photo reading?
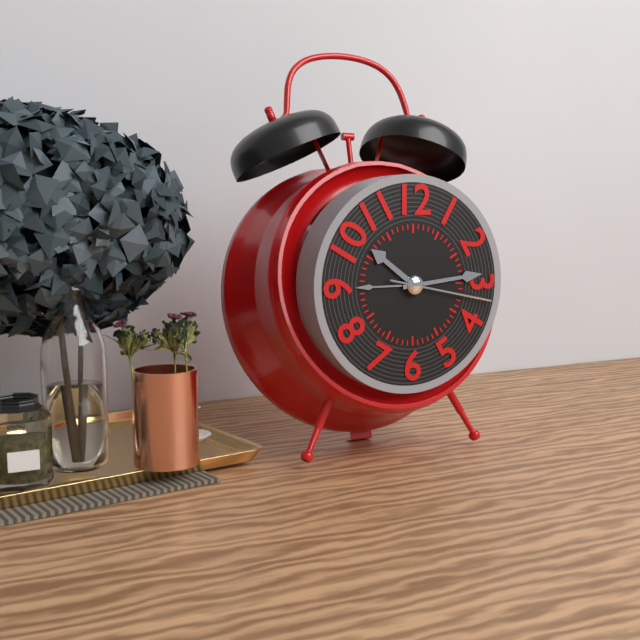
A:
h=10 m=14 s=17
